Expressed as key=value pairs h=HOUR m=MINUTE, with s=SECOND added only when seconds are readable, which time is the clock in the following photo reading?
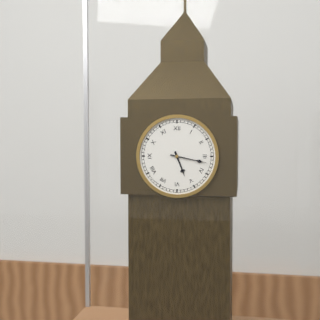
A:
h=5 m=17
